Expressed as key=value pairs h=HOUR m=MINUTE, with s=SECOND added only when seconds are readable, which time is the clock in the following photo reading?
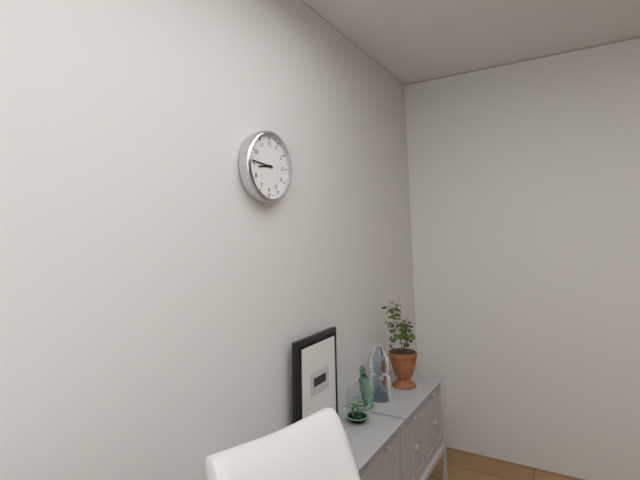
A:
h=8 m=46
